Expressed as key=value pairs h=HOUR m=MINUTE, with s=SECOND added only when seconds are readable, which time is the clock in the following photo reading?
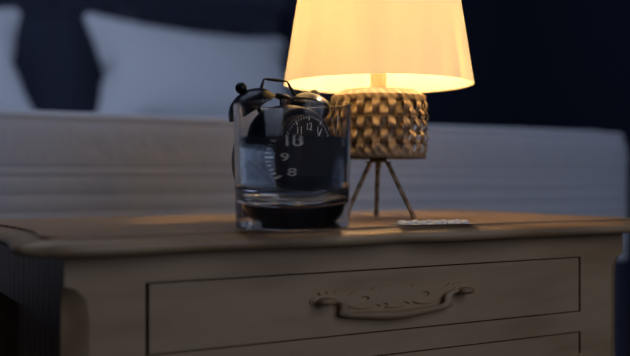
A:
h=2 m=6
